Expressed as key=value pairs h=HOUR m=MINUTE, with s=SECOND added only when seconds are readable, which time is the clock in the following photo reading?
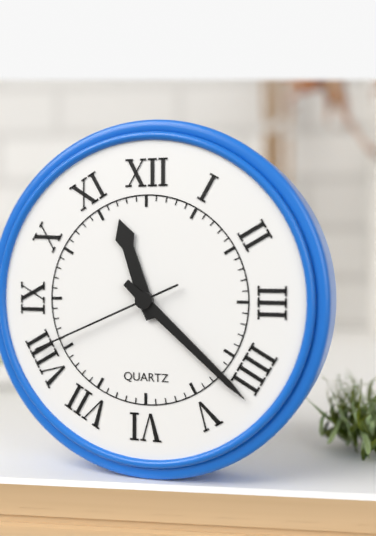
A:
h=11 m=22 s=41
